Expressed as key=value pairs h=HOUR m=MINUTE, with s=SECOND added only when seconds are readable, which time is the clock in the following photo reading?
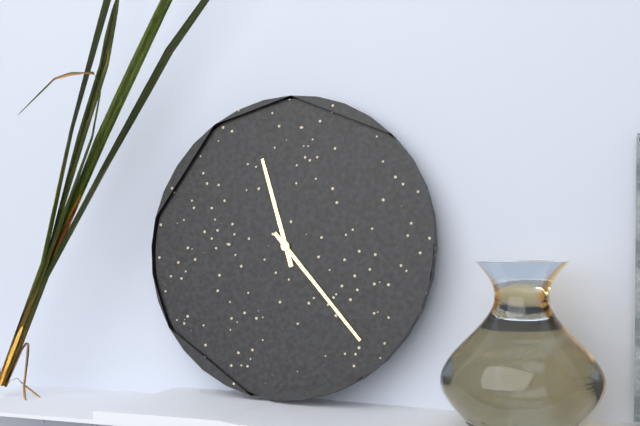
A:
h=11 m=23
